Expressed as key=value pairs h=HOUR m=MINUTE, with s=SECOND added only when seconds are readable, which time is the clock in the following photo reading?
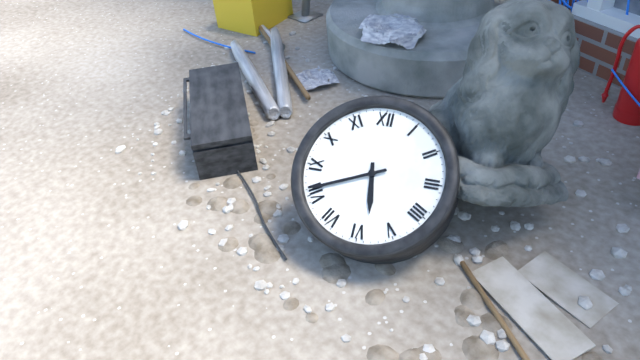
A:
h=5 m=41
